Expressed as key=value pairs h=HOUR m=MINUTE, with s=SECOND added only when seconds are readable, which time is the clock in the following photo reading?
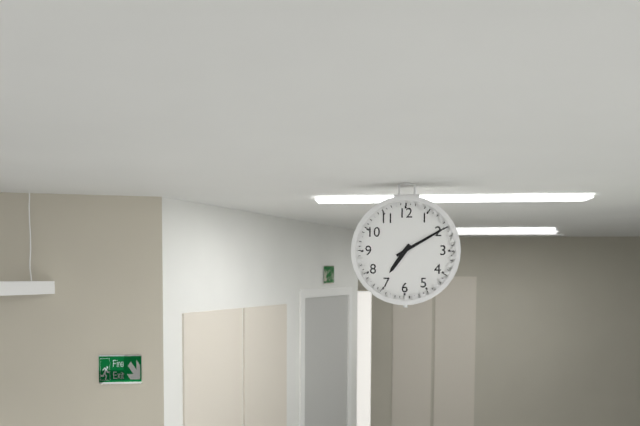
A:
h=7 m=10
